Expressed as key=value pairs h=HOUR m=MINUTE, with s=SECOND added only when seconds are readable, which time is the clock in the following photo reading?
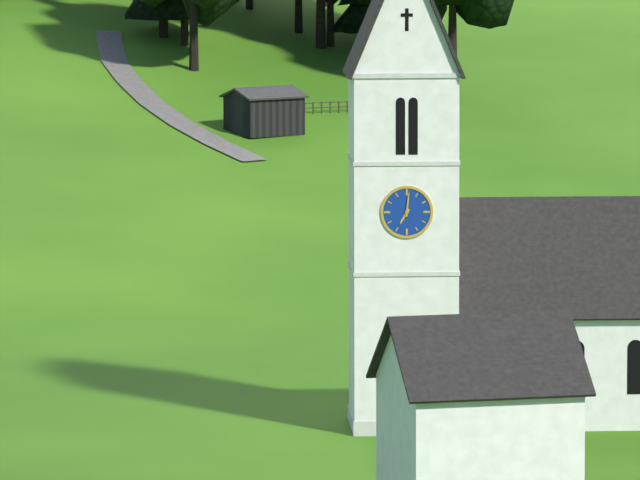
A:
h=7 m=1
